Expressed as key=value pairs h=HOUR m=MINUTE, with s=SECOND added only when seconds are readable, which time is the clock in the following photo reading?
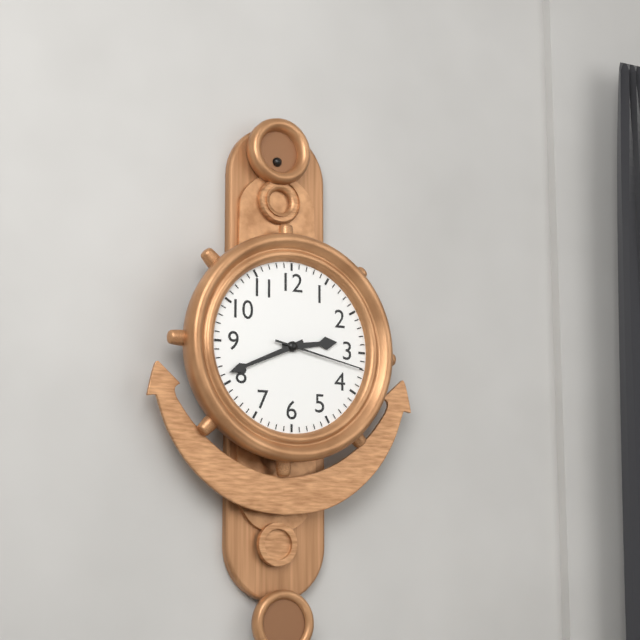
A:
h=2 m=41 s=17
